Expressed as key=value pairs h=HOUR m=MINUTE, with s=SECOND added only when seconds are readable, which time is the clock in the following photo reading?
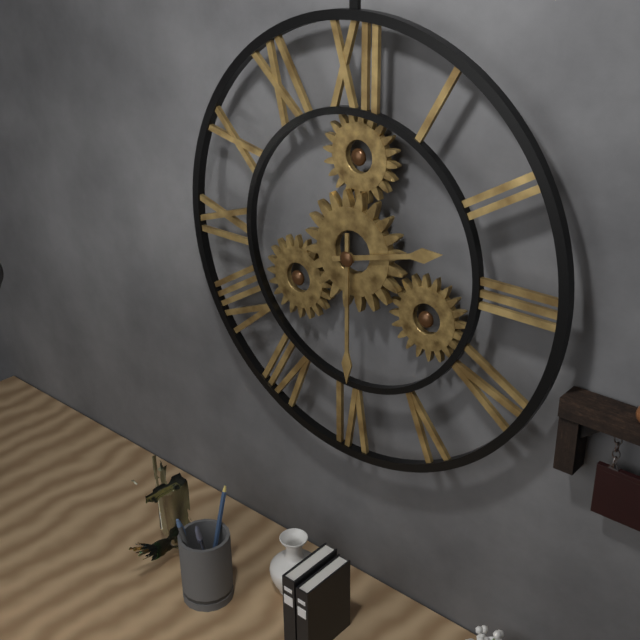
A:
h=2 m=30
